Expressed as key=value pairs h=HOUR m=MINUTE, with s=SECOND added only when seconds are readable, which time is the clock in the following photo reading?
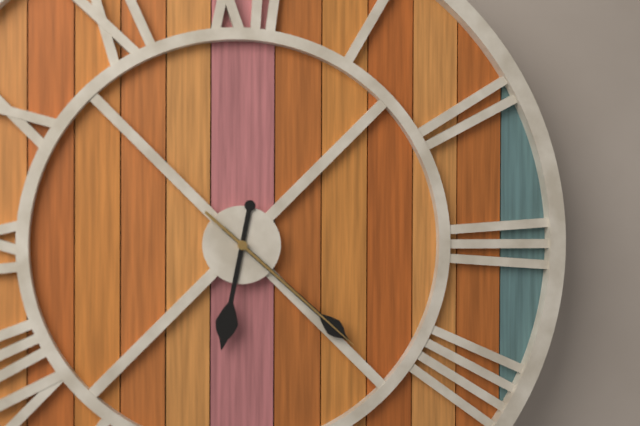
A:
h=6 m=22 s=22
